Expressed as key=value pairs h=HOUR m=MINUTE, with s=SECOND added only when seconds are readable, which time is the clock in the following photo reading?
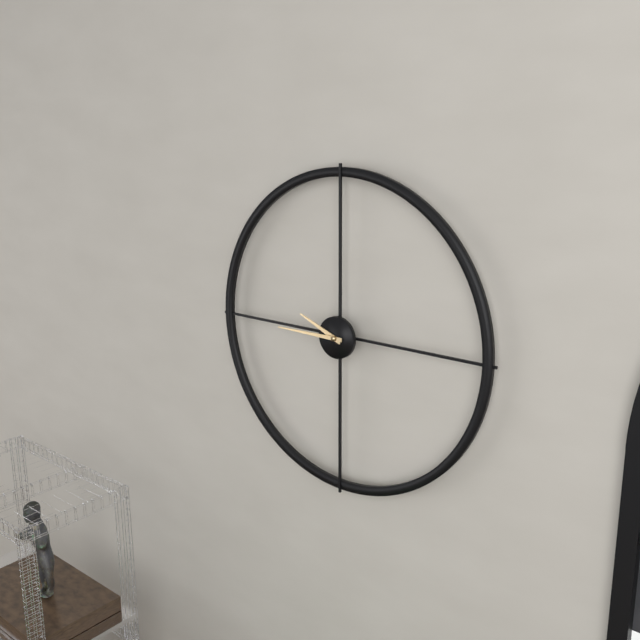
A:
h=9 m=45
